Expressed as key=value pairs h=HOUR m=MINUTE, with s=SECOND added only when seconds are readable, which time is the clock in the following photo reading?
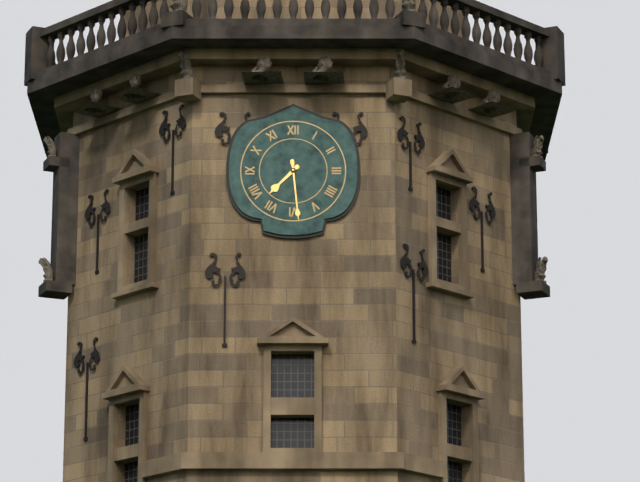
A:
h=7 m=29
